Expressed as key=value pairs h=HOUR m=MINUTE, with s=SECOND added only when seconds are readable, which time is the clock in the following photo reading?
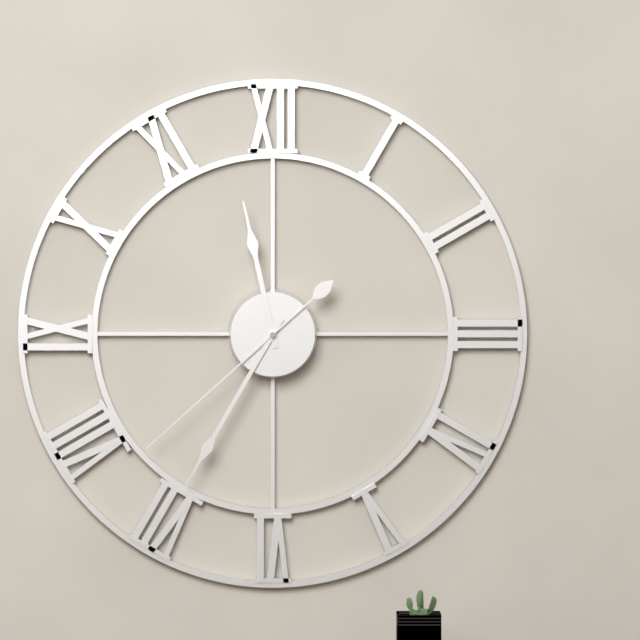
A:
h=11 m=35 s=38
